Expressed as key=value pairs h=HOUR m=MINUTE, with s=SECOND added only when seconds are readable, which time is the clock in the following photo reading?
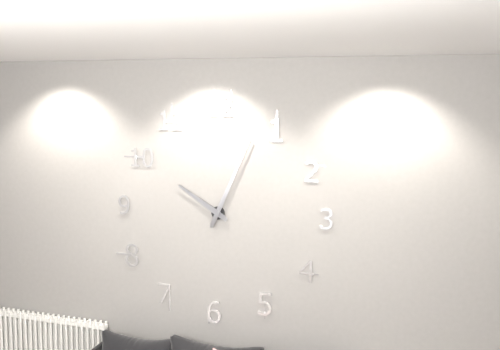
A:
h=10 m=4
